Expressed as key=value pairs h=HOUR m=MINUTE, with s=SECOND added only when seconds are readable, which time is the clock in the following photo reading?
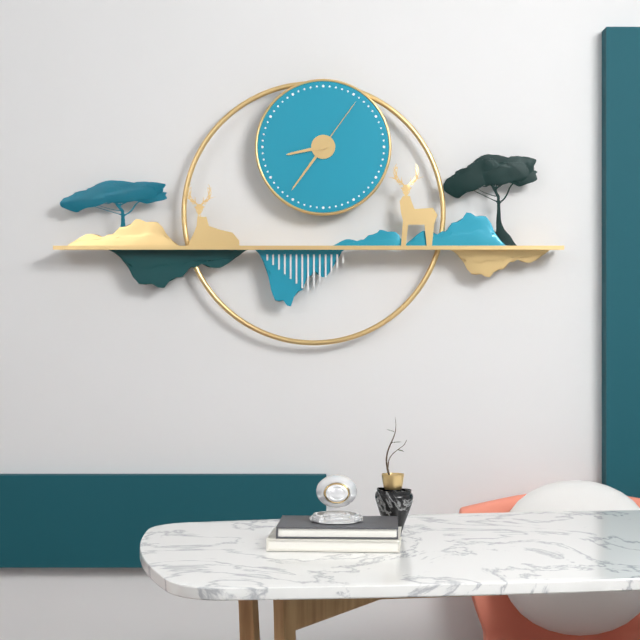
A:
h=8 m=36 s=6
